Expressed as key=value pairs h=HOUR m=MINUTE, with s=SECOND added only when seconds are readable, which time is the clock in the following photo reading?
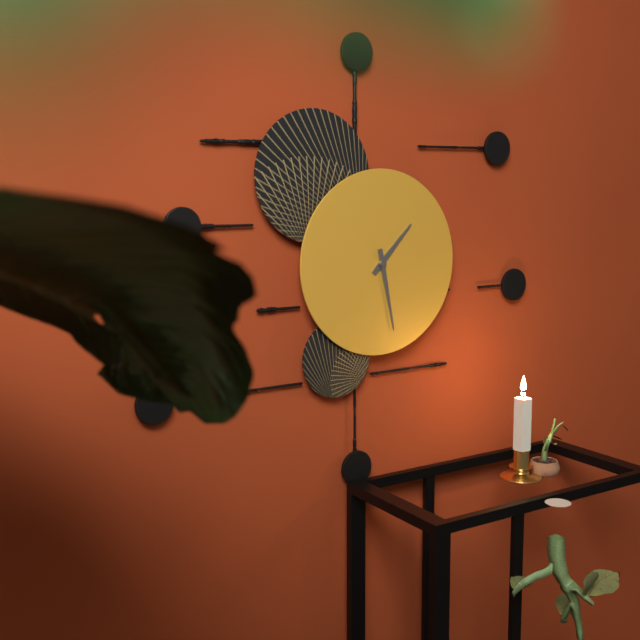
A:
h=1 m=28
